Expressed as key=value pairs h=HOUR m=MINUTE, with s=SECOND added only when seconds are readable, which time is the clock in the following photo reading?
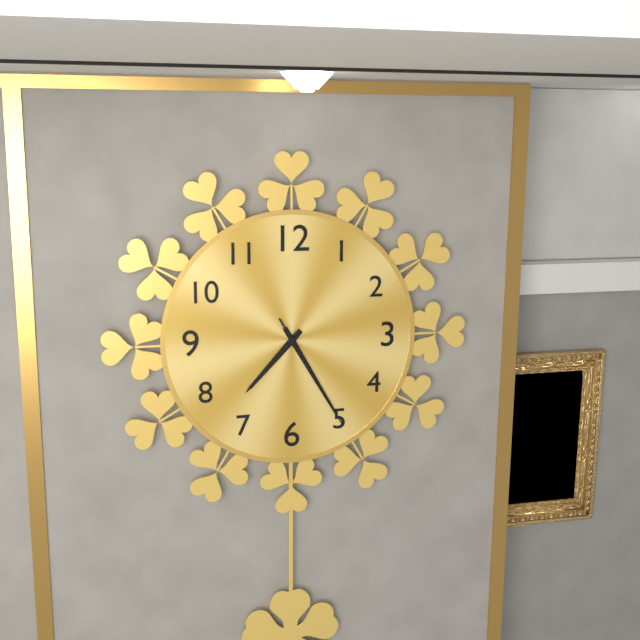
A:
h=7 m=25 s=25
